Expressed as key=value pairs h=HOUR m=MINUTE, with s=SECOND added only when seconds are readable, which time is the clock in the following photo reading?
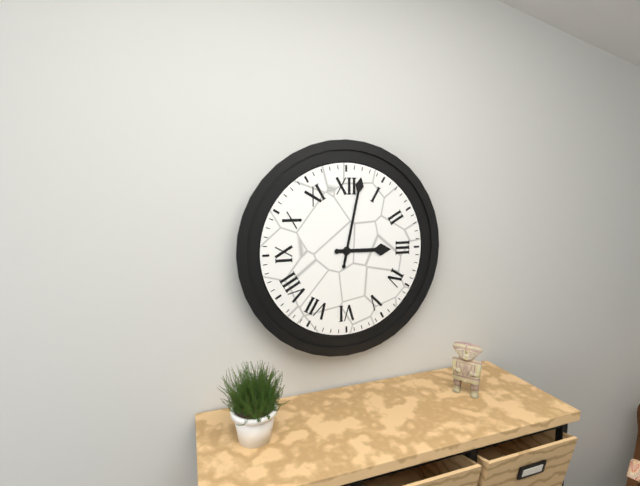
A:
h=3 m=2
